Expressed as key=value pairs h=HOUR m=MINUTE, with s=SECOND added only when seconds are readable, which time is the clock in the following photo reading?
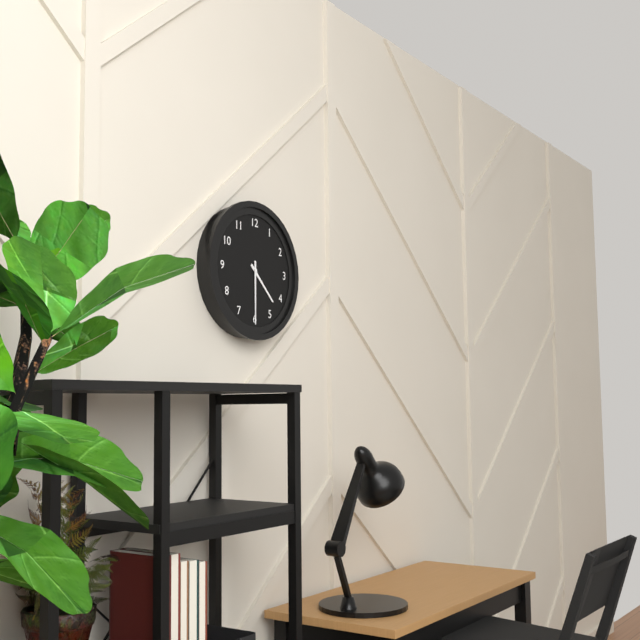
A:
h=4 m=30
